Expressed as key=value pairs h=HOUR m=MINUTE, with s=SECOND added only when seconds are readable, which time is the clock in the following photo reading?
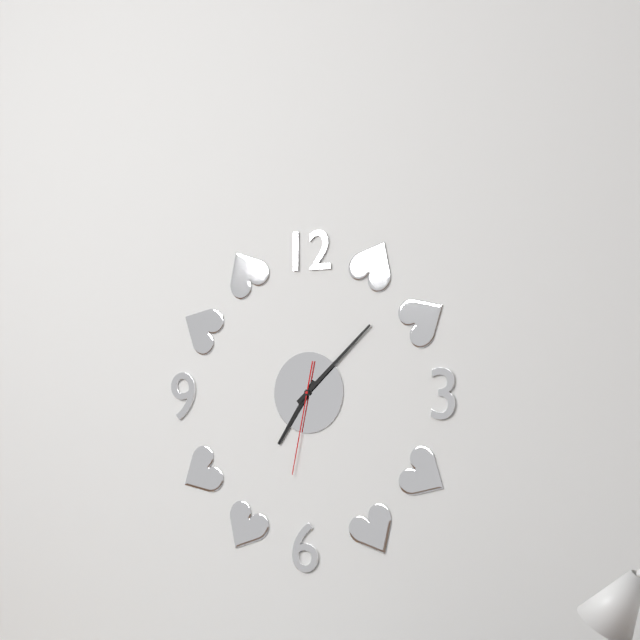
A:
h=7 m=8 s=32
